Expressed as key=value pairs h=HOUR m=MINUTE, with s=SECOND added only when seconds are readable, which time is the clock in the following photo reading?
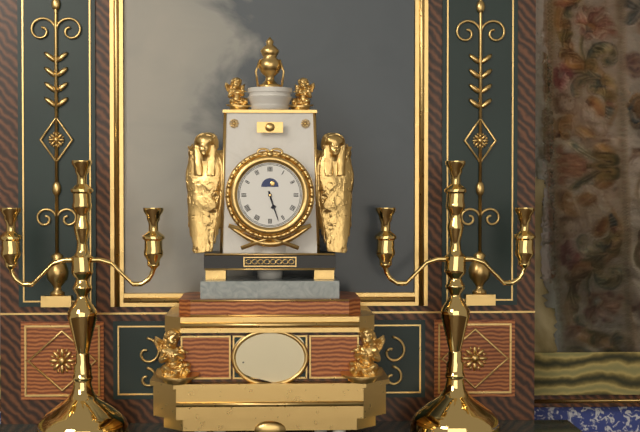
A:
h=5 m=27
